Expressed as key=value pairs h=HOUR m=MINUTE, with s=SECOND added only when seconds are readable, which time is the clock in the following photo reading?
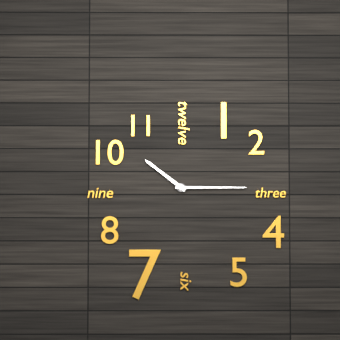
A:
h=10 m=15
